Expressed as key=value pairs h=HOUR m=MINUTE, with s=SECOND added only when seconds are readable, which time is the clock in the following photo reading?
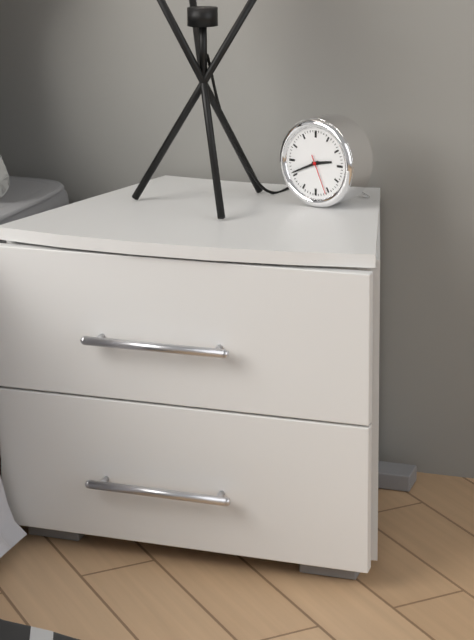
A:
h=2 m=41
